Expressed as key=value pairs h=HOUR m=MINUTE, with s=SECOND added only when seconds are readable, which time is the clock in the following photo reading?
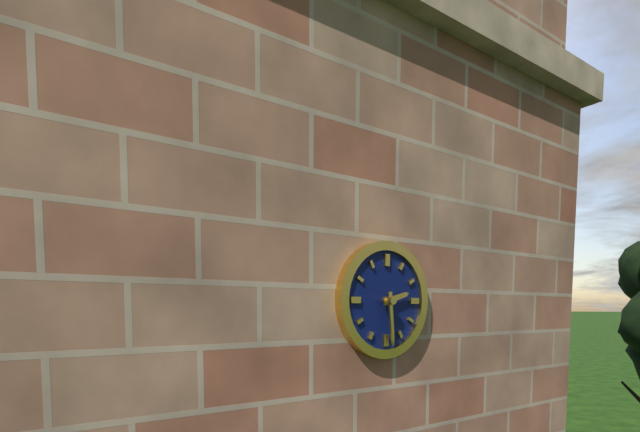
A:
h=2 m=29
